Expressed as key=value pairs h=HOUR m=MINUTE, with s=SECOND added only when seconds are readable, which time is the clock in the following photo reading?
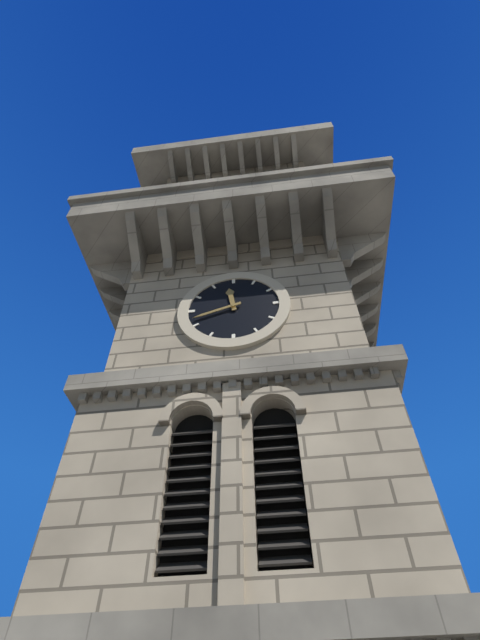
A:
h=11 m=42
